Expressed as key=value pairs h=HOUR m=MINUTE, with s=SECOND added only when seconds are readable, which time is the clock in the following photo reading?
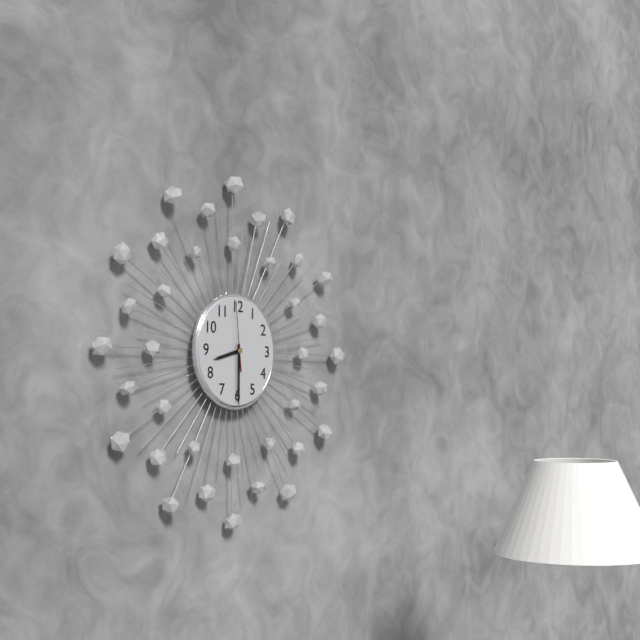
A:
h=8 m=30 s=59
